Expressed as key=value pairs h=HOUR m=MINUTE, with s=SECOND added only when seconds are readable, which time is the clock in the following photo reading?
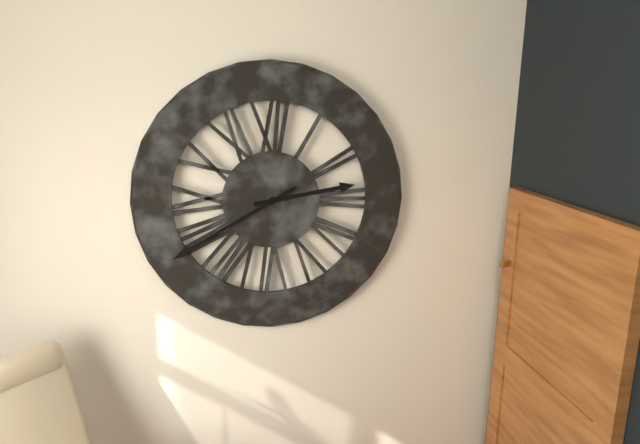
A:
h=2 m=40
